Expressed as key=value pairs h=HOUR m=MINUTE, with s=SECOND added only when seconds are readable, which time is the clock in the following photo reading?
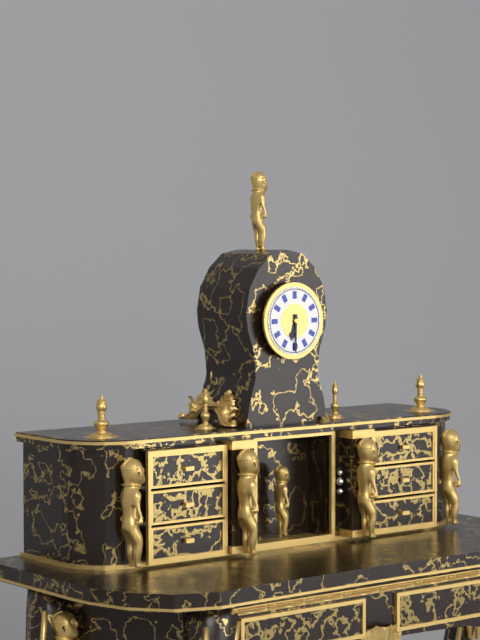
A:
h=6 m=30
